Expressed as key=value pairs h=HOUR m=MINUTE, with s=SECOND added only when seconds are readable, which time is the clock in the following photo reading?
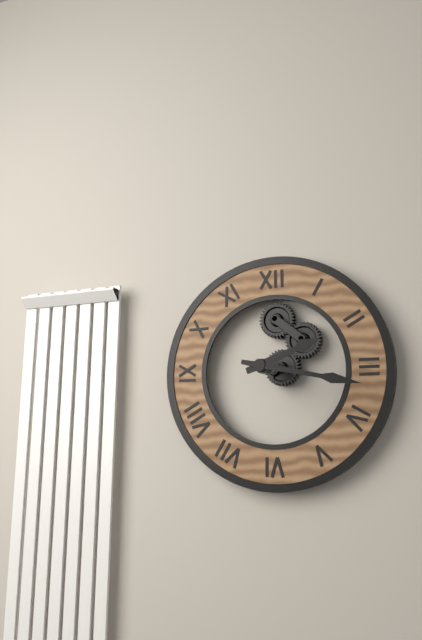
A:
h=2 m=17
